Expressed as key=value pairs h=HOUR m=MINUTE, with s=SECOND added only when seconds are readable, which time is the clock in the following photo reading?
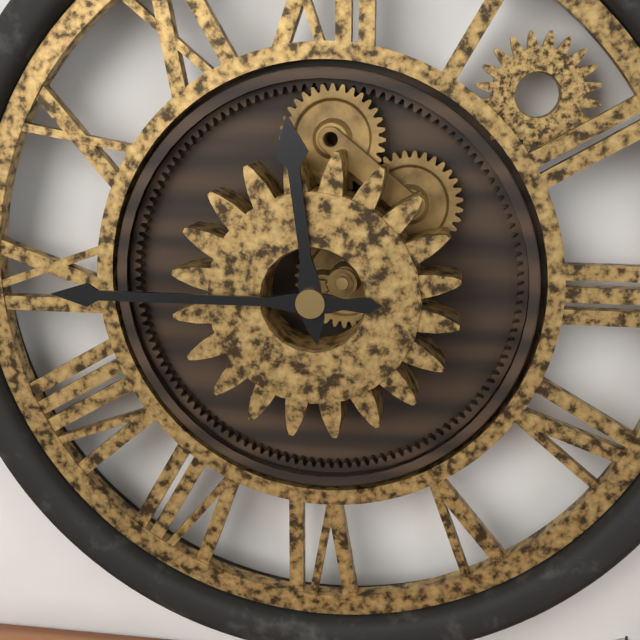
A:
h=11 m=45
